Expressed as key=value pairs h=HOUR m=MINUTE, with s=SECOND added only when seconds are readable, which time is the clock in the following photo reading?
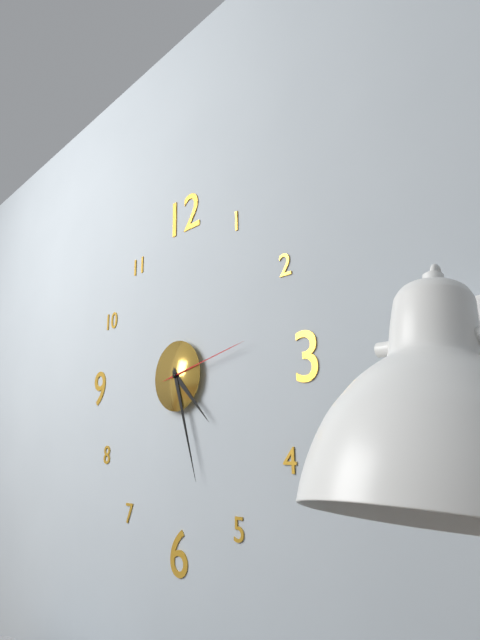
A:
h=4 m=27 s=13
